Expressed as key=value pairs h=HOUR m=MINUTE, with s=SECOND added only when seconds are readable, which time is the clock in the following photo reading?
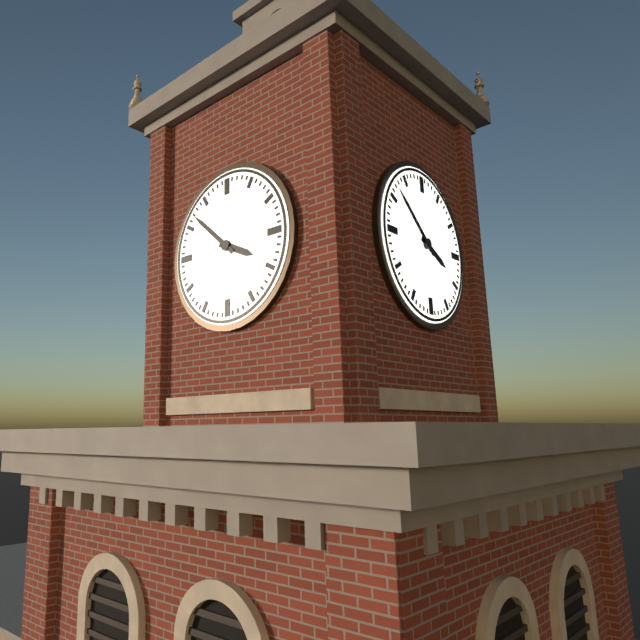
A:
h=3 m=52
